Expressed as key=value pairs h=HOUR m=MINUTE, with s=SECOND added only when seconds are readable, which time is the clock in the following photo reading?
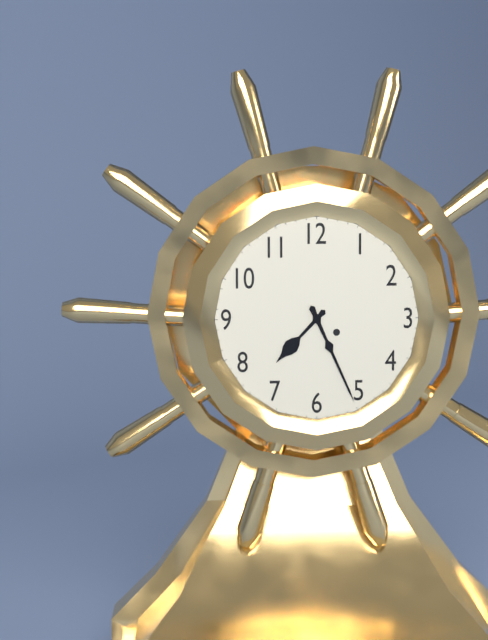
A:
h=7 m=26
